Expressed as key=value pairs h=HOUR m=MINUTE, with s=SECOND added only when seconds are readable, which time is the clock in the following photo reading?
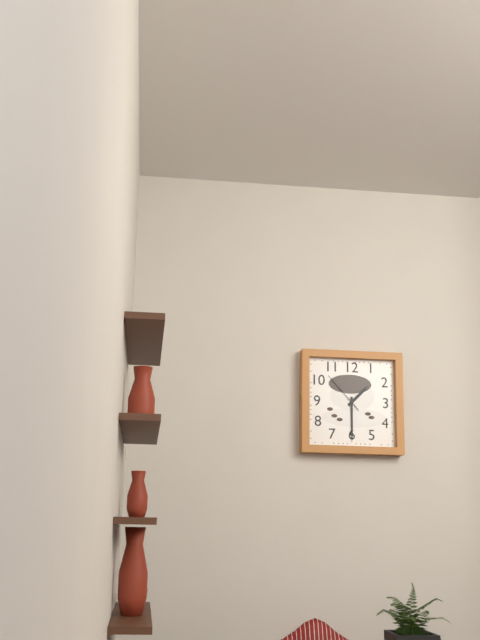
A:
h=1 m=30
